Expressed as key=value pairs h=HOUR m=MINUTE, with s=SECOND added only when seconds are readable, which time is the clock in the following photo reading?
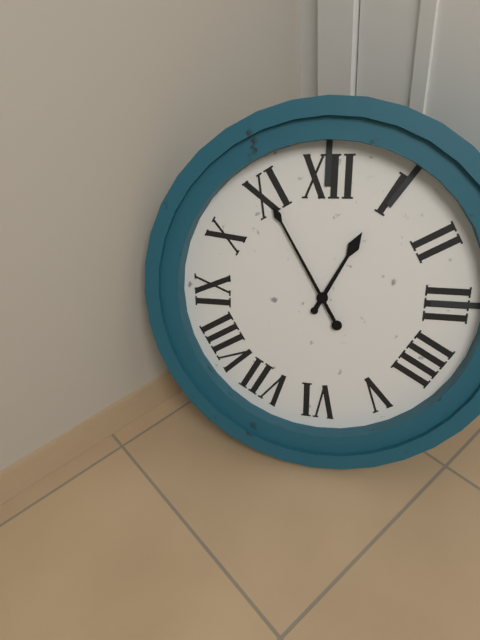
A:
h=12 m=55
